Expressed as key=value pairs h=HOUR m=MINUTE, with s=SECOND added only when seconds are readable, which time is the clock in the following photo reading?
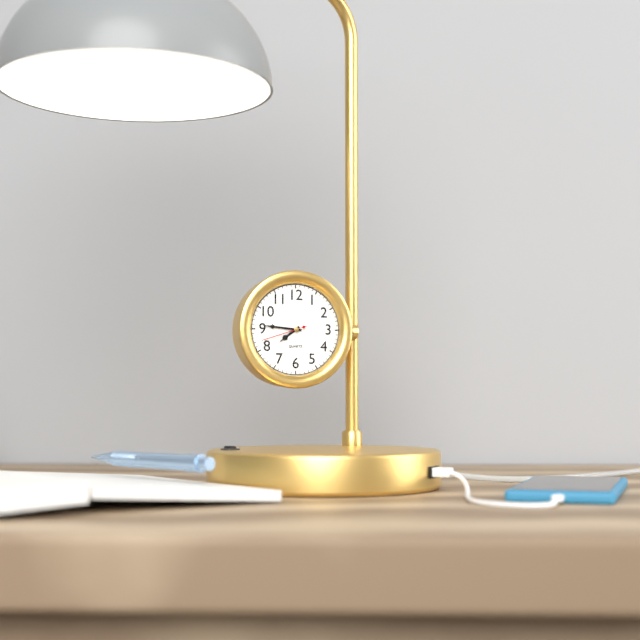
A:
h=7 m=46
